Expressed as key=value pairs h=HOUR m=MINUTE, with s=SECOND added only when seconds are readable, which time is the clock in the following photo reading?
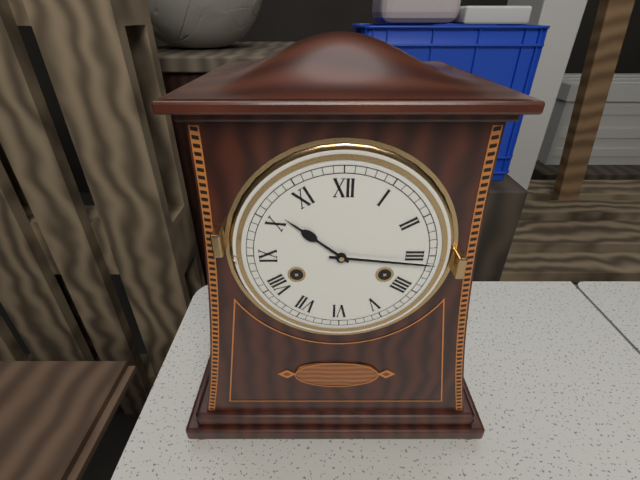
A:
h=10 m=16
